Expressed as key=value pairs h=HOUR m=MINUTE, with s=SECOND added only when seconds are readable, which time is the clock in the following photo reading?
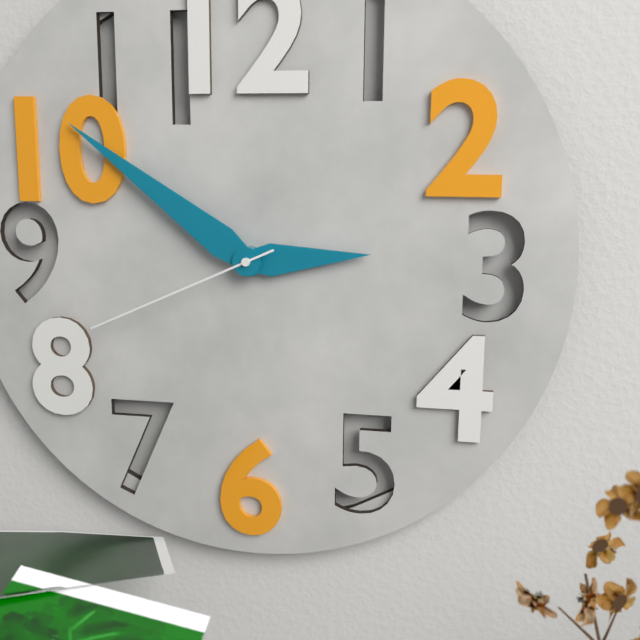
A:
h=2 m=51 s=41
